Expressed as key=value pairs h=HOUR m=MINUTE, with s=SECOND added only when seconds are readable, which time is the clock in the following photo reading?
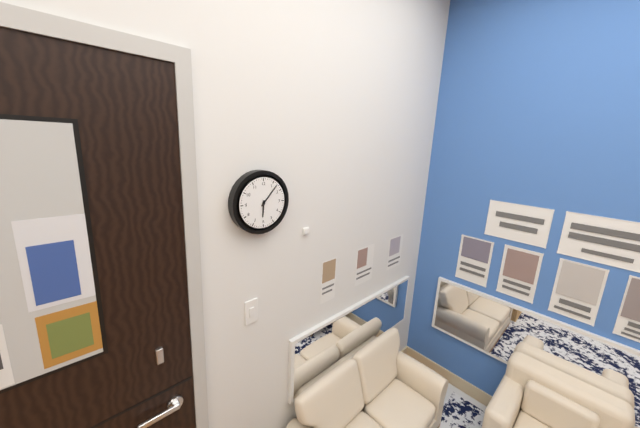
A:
h=6 m=7
